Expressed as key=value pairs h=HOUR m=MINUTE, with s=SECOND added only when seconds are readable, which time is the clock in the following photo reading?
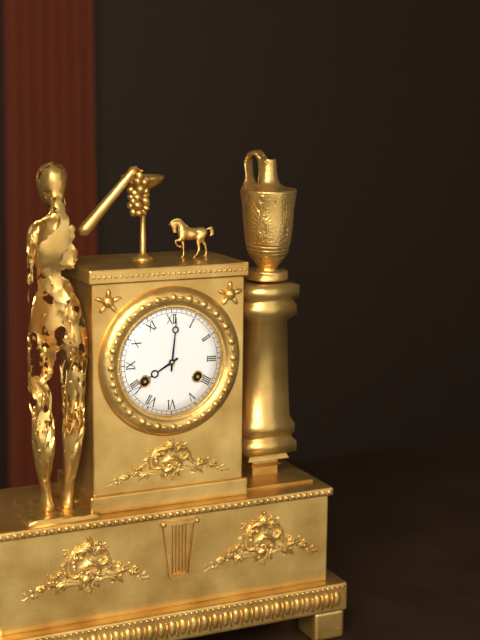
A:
h=8 m=1
